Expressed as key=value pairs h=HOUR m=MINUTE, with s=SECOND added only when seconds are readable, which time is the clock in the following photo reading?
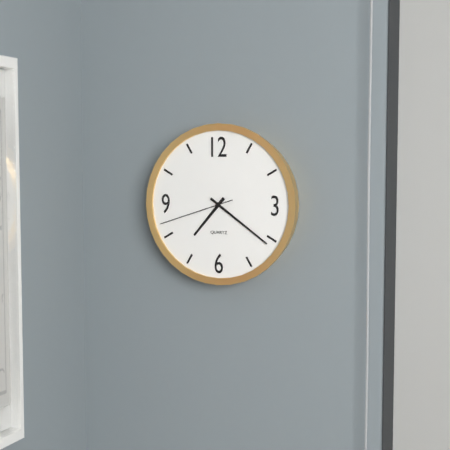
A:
h=7 m=21 s=42
